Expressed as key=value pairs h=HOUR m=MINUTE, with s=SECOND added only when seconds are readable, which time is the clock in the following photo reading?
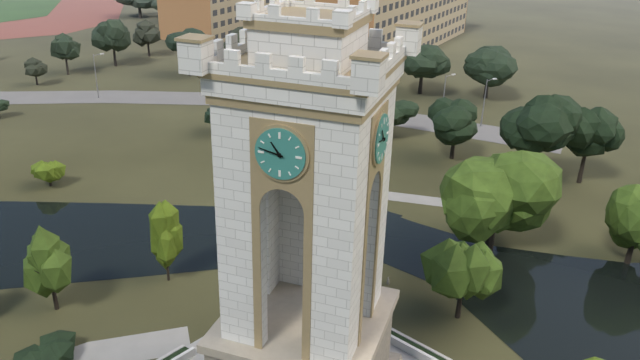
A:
h=10 m=47
